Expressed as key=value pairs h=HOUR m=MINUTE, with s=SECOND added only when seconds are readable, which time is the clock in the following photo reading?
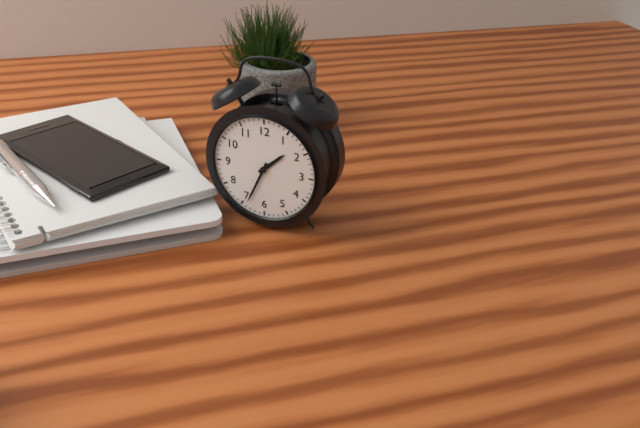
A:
h=1 m=34
